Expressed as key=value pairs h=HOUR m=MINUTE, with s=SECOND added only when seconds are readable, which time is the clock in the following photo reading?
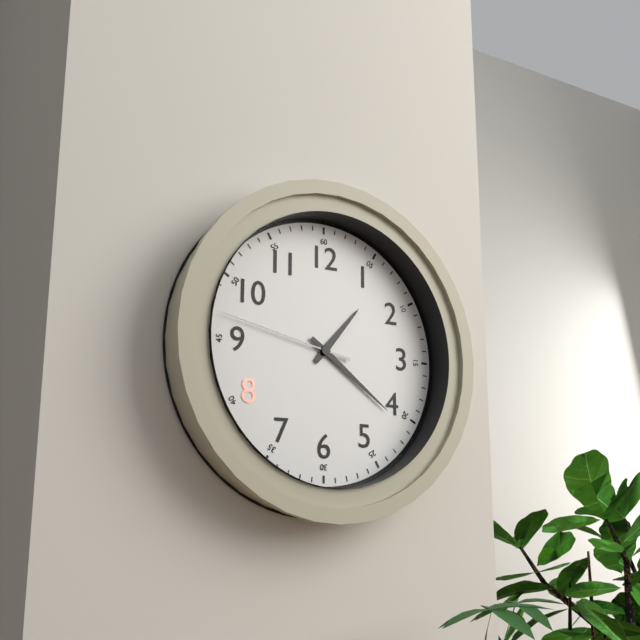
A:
h=1 m=21 s=47
